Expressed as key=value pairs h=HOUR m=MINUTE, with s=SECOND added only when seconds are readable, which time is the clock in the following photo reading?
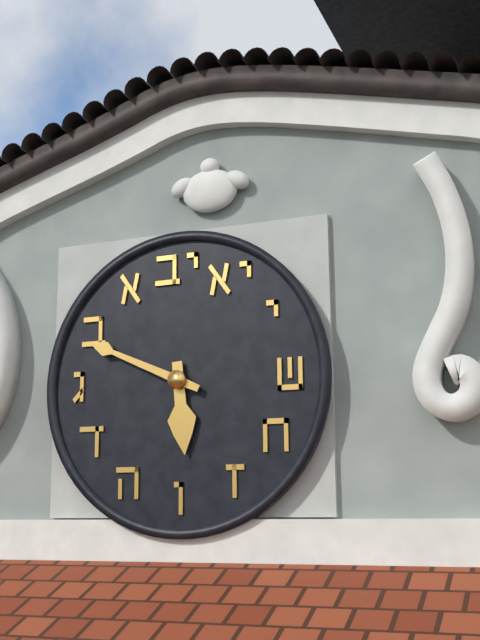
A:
h=5 m=49
